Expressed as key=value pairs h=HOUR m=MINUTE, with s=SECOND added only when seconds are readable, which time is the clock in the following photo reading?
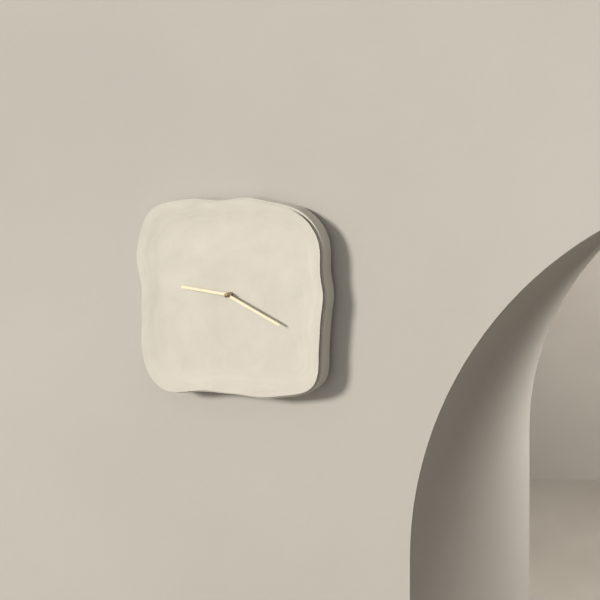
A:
h=9 m=20
